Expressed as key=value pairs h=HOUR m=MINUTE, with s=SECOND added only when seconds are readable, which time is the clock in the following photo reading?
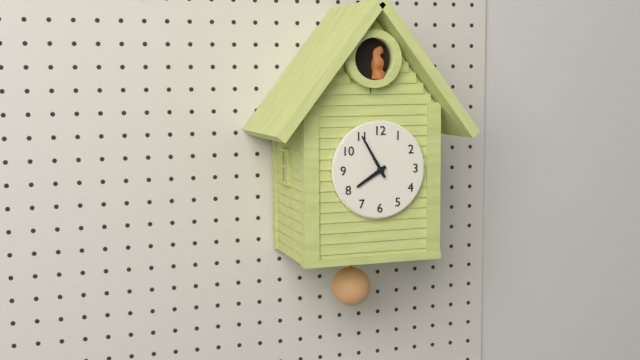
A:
h=7 m=55
